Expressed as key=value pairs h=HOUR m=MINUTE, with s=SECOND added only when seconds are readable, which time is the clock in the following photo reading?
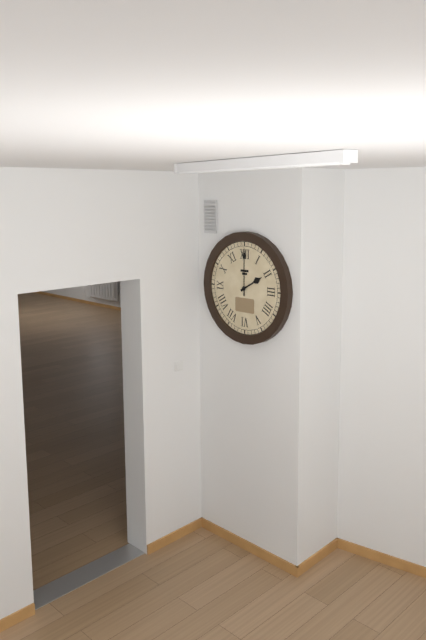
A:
h=2 m=0
